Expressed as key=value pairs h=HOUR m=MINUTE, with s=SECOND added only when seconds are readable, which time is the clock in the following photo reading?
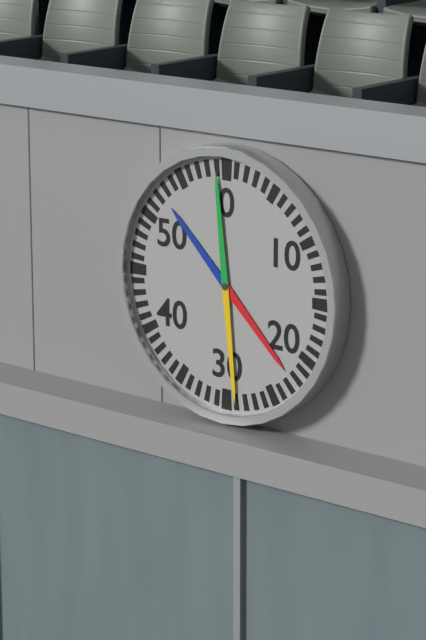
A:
h=4 m=29
